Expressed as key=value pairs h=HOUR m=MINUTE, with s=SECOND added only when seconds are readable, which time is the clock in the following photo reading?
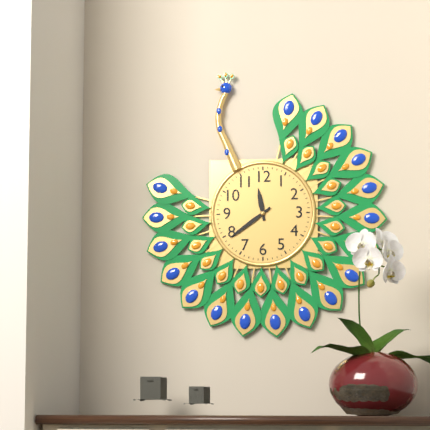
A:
h=11 m=39
